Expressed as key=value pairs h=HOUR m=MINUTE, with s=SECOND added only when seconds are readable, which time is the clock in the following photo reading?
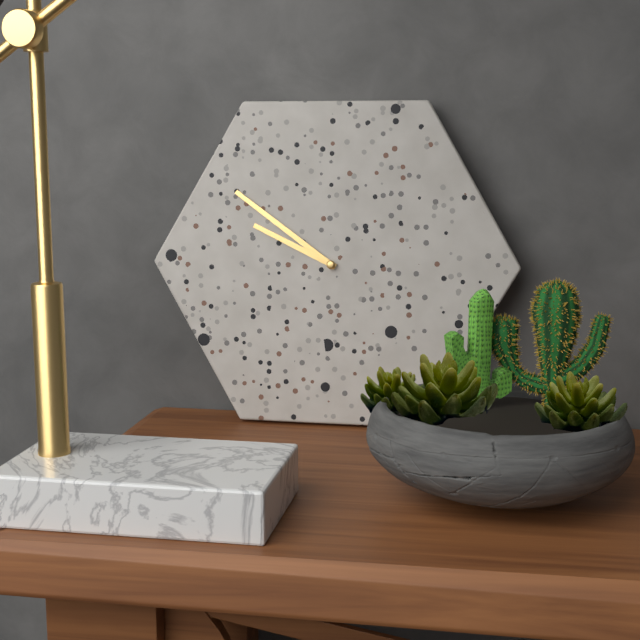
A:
h=9 m=51
